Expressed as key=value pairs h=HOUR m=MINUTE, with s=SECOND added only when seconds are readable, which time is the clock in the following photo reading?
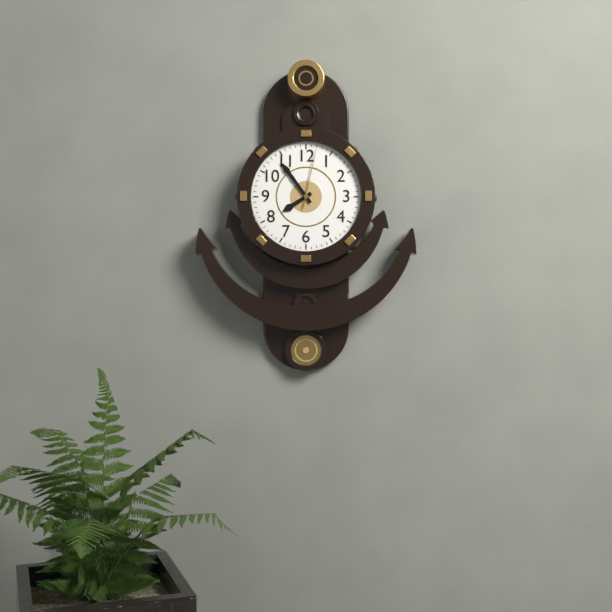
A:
h=7 m=54 s=2
